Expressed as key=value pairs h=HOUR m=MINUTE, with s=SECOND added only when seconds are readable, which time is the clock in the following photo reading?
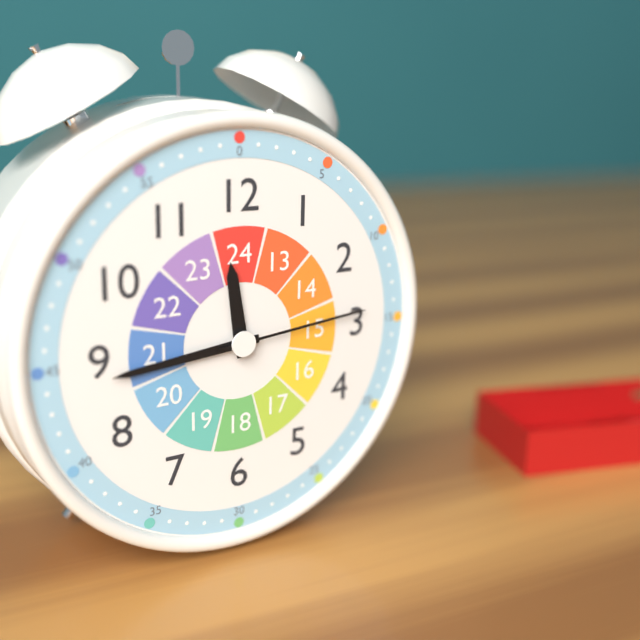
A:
h=11 m=44 s=14
